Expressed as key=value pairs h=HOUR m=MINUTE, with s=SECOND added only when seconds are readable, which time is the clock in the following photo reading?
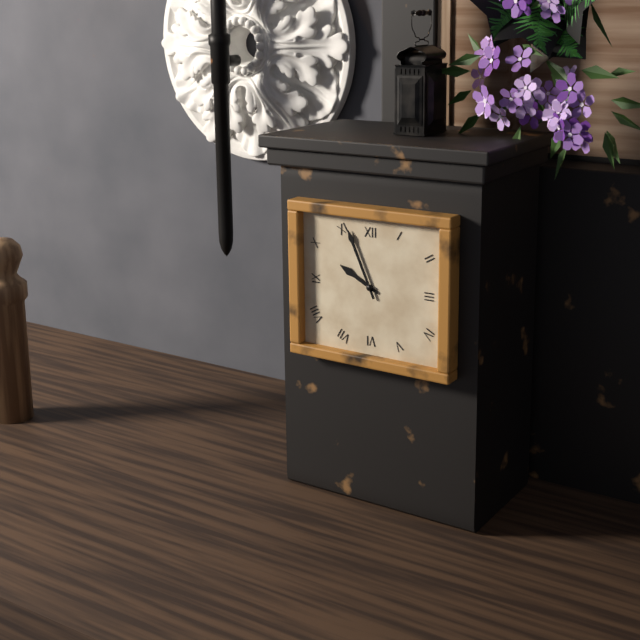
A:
h=9 m=56
